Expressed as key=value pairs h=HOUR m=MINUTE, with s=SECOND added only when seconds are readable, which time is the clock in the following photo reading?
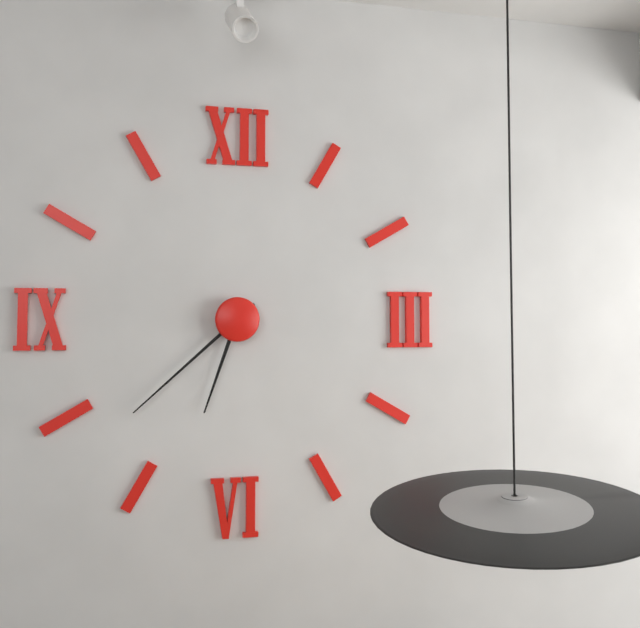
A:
h=6 m=38
